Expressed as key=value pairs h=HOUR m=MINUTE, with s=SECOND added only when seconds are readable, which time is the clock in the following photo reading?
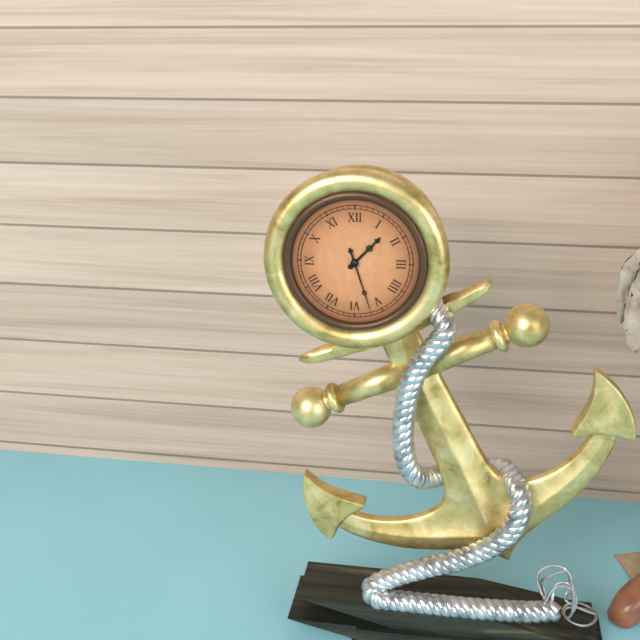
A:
h=1 m=27
